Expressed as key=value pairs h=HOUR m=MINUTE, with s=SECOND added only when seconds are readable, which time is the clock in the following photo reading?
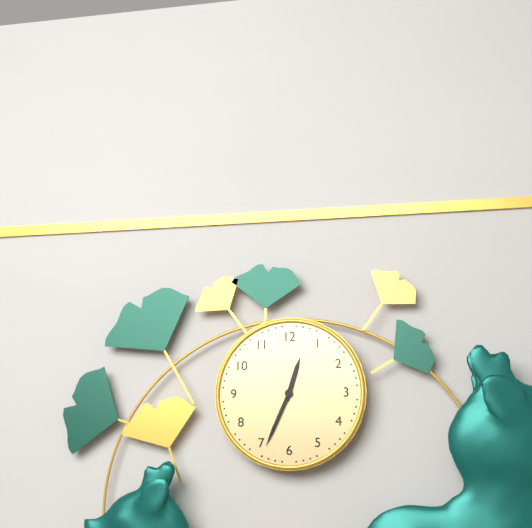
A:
h=12 m=34
